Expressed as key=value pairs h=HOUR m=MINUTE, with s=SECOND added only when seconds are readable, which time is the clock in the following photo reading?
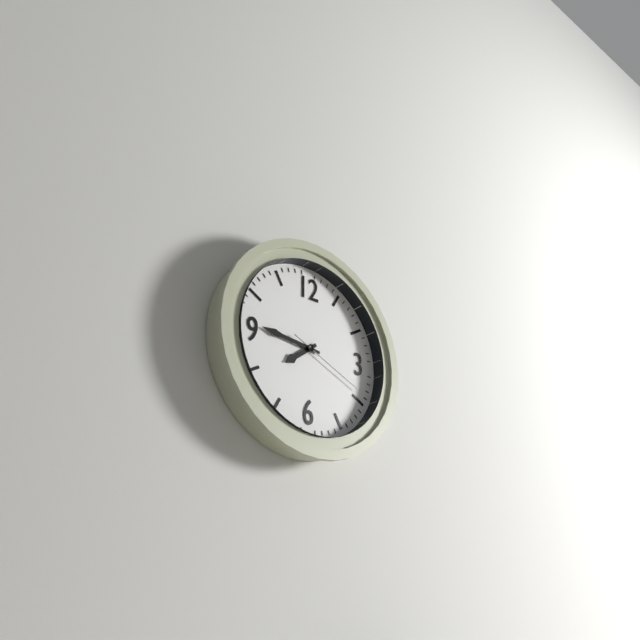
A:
h=7 m=46 s=19
